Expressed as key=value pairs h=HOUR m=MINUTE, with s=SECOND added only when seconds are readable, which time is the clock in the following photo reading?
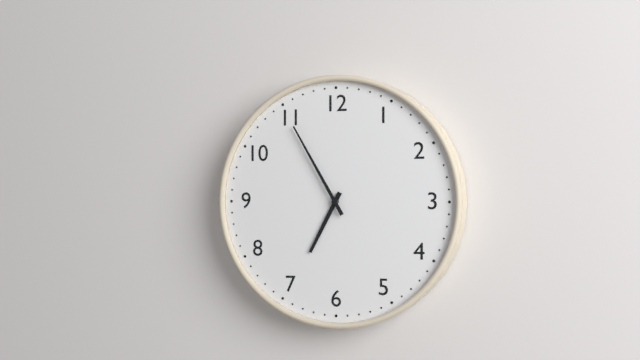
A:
h=6 m=55
